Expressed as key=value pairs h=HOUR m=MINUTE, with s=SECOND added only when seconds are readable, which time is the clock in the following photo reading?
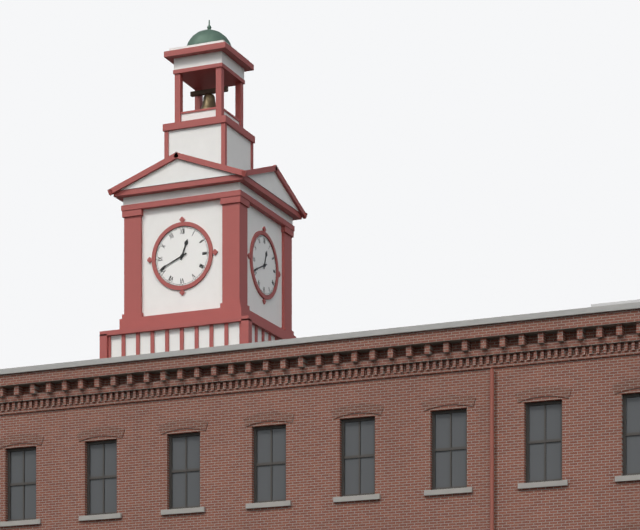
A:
h=12 m=41
